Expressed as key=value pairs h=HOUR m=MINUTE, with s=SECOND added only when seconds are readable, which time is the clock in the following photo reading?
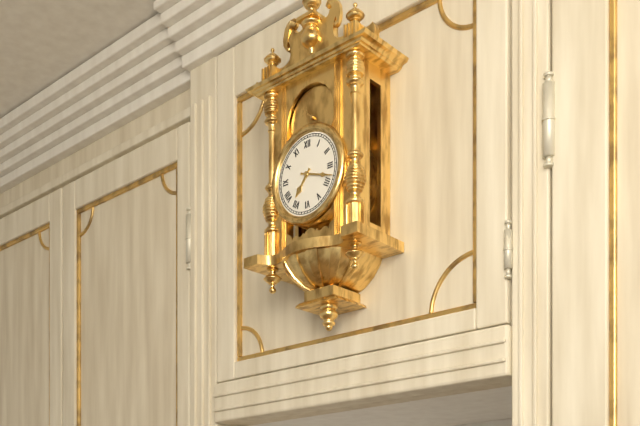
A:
h=7 m=18
